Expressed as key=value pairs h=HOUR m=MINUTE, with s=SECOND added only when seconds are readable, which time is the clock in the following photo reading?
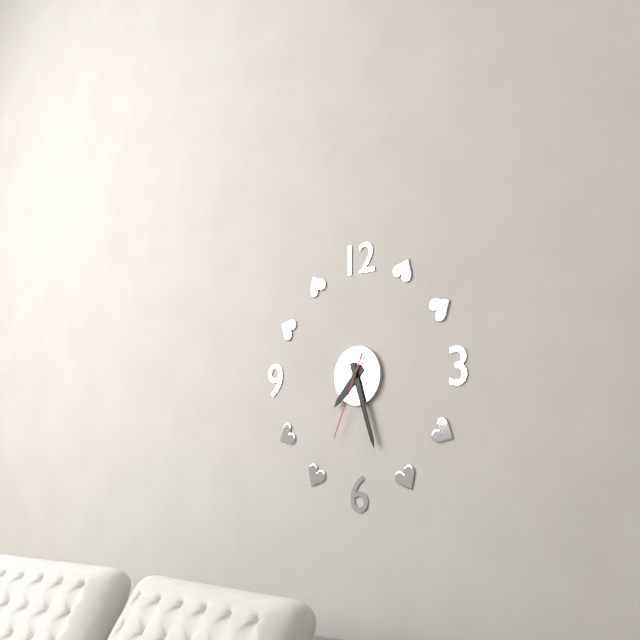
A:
h=7 m=27 s=34
